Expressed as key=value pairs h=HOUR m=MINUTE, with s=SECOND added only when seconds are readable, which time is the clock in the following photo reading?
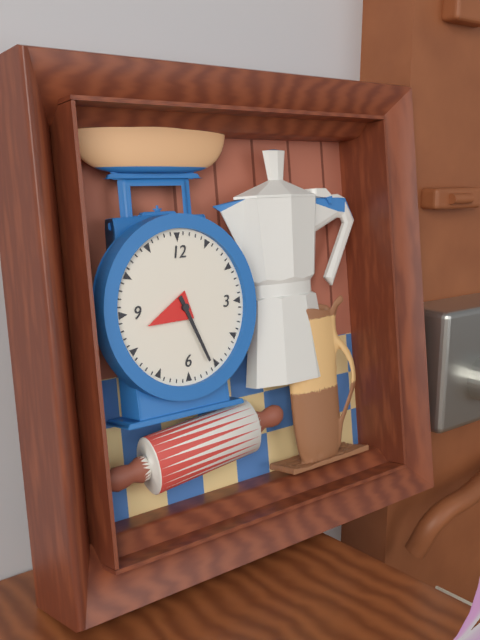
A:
h=8 m=26
